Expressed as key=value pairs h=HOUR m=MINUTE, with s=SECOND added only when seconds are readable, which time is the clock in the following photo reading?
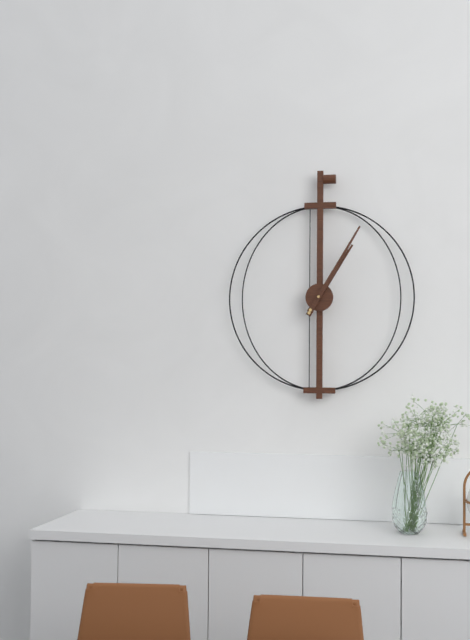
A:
h=1 m=5
